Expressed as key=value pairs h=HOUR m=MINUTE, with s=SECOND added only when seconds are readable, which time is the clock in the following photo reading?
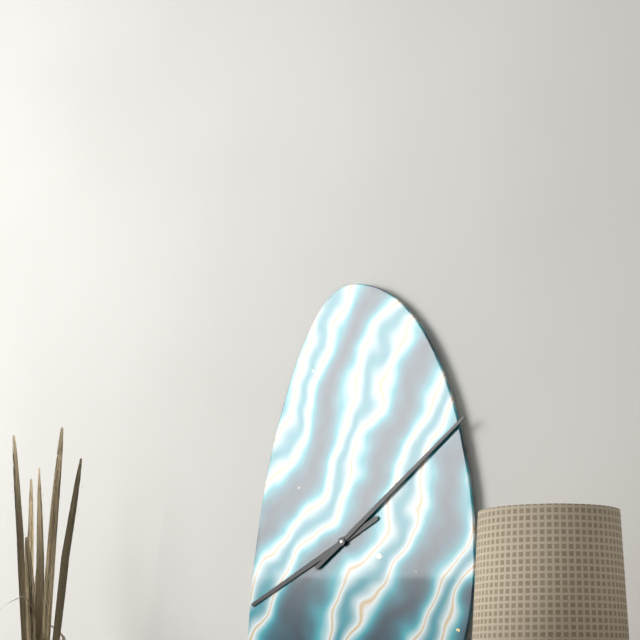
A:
h=8 m=9
